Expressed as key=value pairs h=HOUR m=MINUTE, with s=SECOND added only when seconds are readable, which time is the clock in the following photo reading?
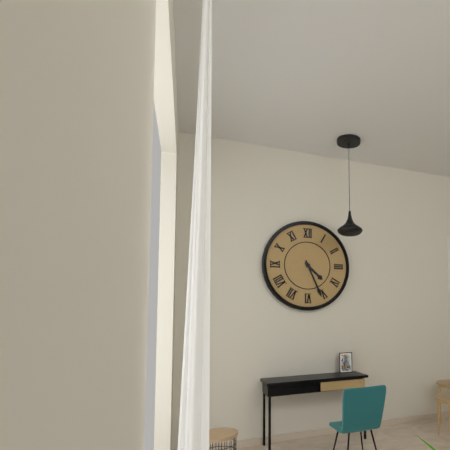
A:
h=4 m=26
